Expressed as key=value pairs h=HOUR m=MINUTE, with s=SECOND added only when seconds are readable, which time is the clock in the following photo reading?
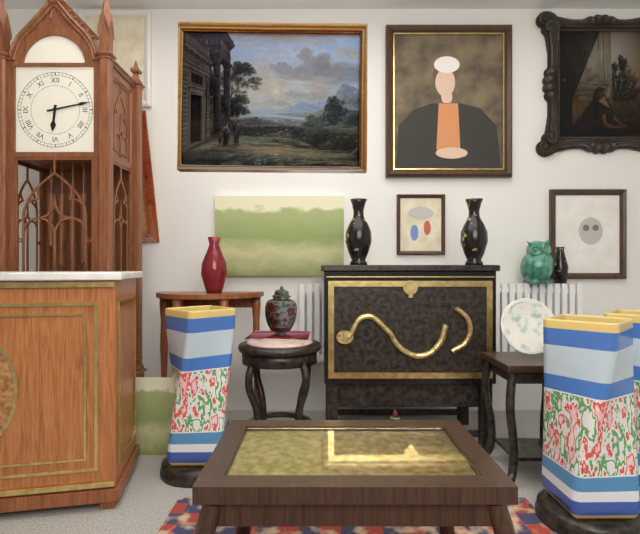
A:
h=6 m=13
